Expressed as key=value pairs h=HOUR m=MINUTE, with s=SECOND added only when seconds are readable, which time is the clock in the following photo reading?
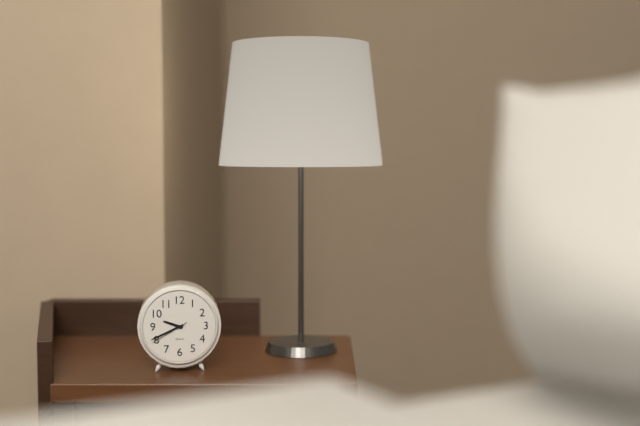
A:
h=9 m=41
